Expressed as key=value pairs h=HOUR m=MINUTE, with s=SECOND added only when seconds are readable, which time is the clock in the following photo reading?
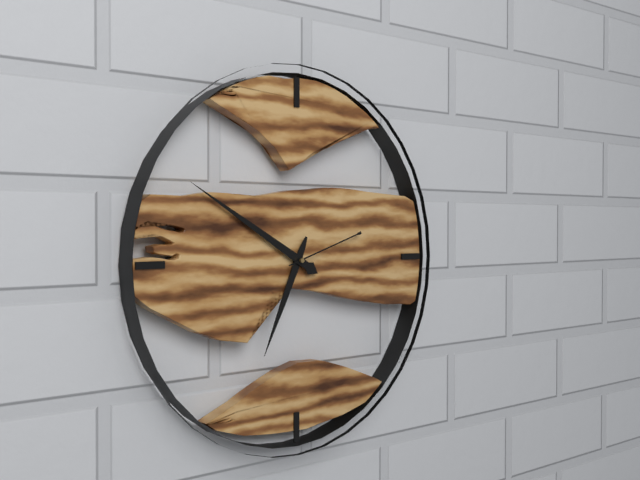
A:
h=6 m=50 s=12
